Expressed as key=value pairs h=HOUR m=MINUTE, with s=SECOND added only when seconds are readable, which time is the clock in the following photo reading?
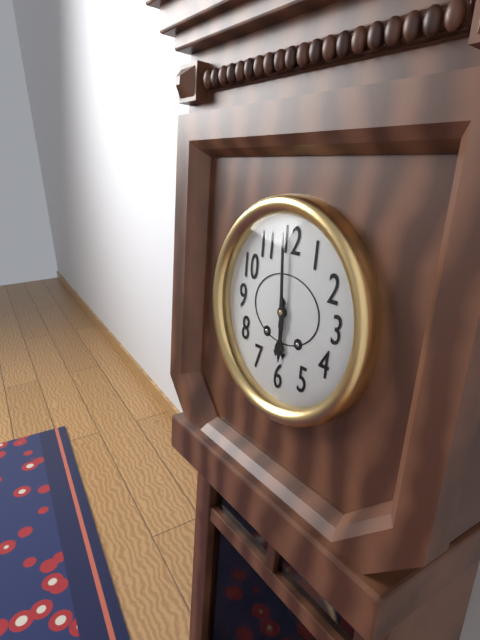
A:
h=5 m=59
